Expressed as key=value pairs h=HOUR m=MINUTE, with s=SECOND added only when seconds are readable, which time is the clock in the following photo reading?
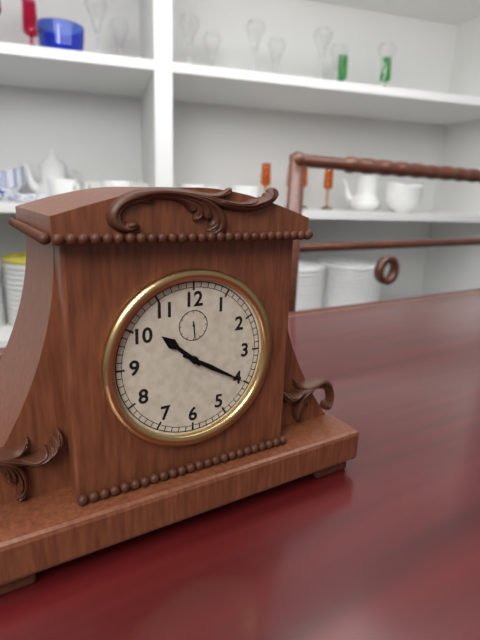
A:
h=10 m=20
